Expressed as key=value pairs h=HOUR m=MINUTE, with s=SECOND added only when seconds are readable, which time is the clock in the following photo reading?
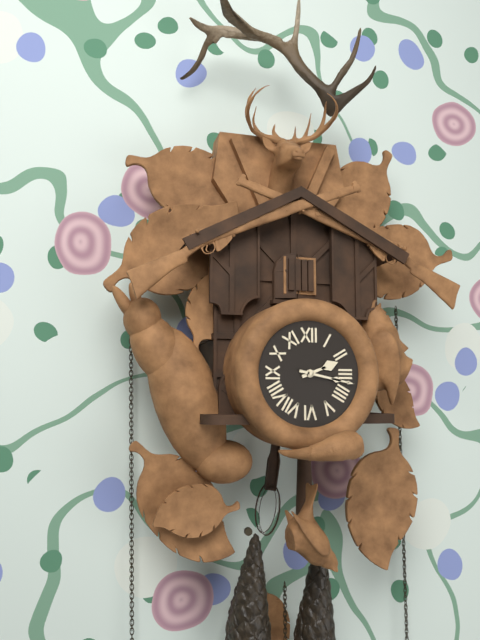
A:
h=2 m=17
